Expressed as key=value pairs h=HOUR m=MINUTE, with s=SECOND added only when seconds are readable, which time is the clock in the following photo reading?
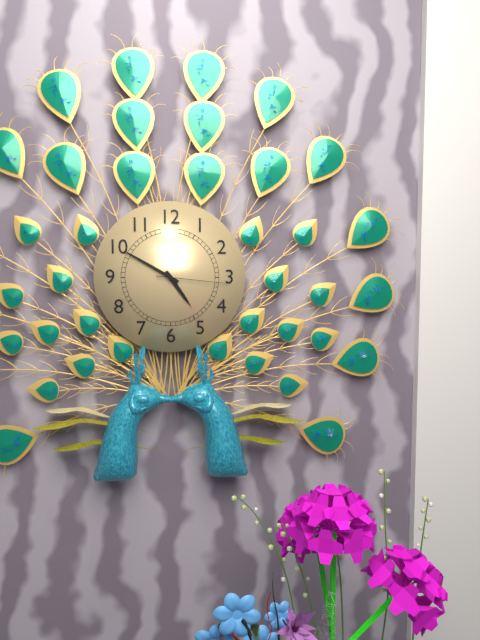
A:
h=4 m=50 s=16
